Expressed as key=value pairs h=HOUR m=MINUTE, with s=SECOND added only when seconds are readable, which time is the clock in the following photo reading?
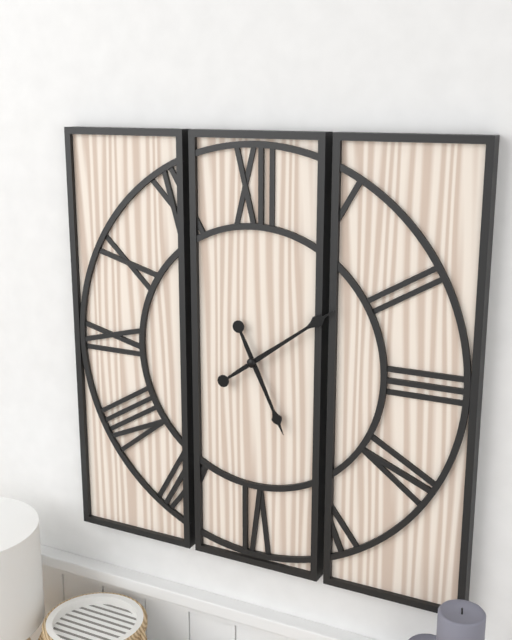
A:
h=5 m=9
